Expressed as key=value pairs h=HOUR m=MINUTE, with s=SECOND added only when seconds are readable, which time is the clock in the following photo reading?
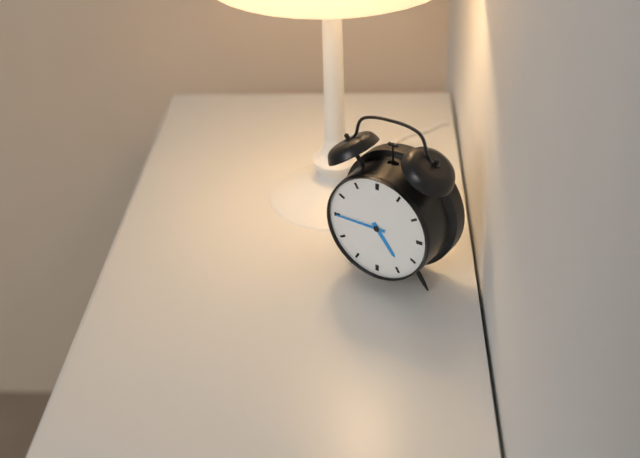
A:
h=4 m=45
